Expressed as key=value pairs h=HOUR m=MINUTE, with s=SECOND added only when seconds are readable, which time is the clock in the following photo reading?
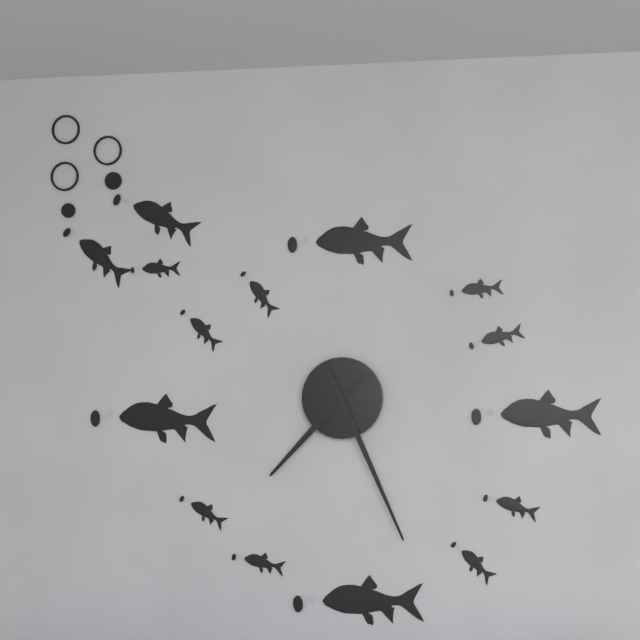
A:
h=7 m=26
